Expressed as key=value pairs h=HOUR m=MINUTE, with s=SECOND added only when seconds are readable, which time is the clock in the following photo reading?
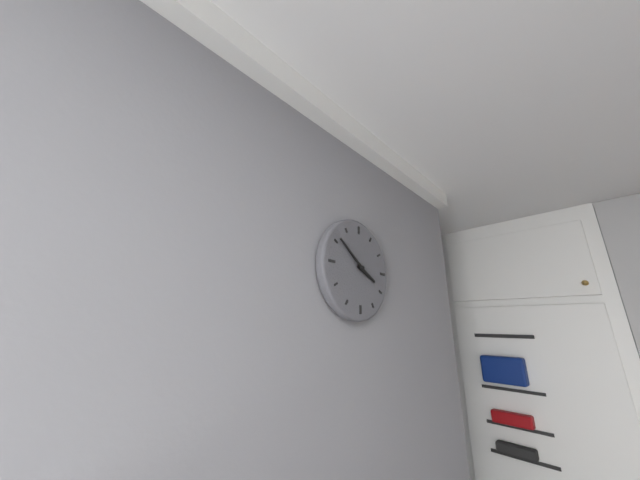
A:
h=3 m=51
